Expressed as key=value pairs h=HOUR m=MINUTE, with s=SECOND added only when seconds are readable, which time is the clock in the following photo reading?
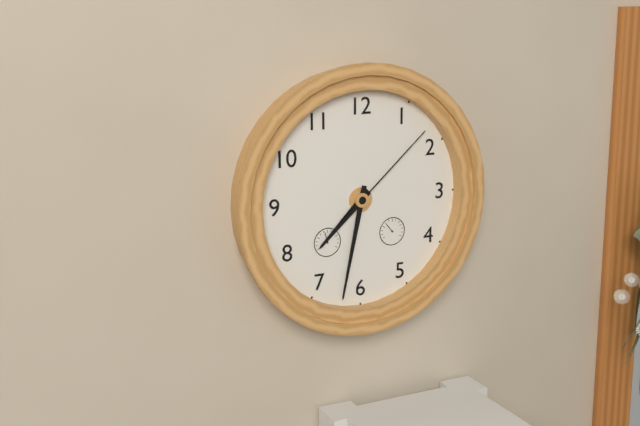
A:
h=7 m=32 s=8
